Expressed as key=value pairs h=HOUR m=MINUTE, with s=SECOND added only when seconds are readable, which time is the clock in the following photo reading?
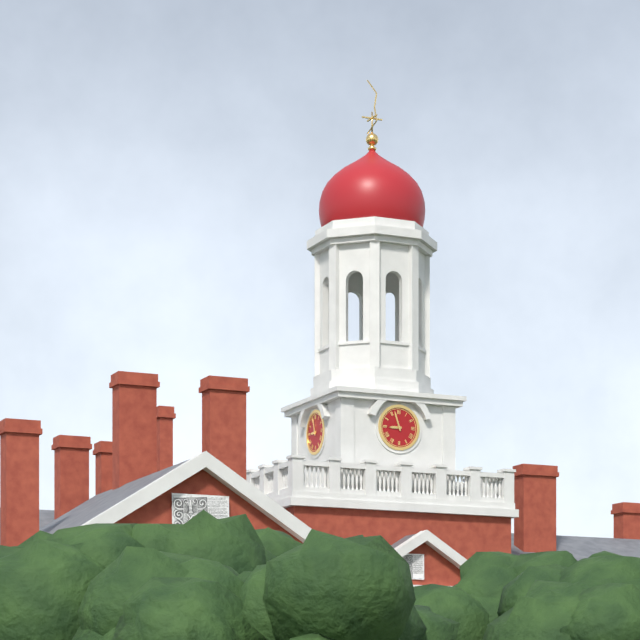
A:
h=8 m=57
